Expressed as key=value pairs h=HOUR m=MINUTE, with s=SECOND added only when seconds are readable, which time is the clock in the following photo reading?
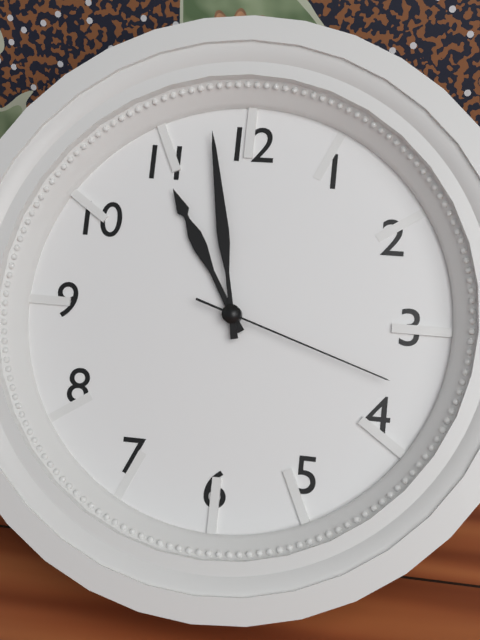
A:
h=10 m=58 s=18
